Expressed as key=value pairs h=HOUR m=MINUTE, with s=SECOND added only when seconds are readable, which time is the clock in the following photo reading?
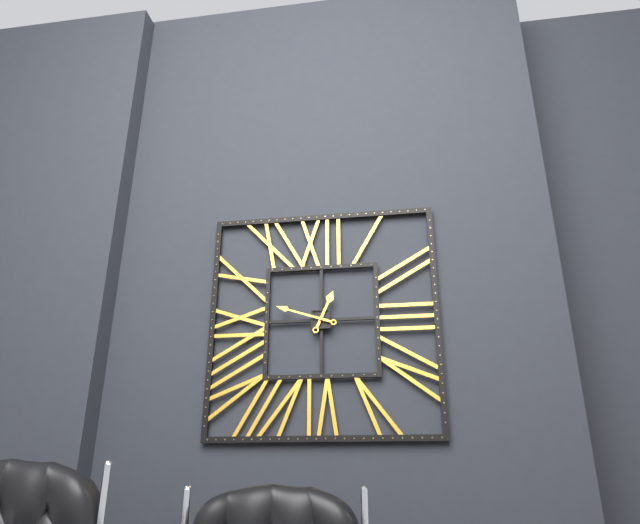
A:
h=12 m=48
